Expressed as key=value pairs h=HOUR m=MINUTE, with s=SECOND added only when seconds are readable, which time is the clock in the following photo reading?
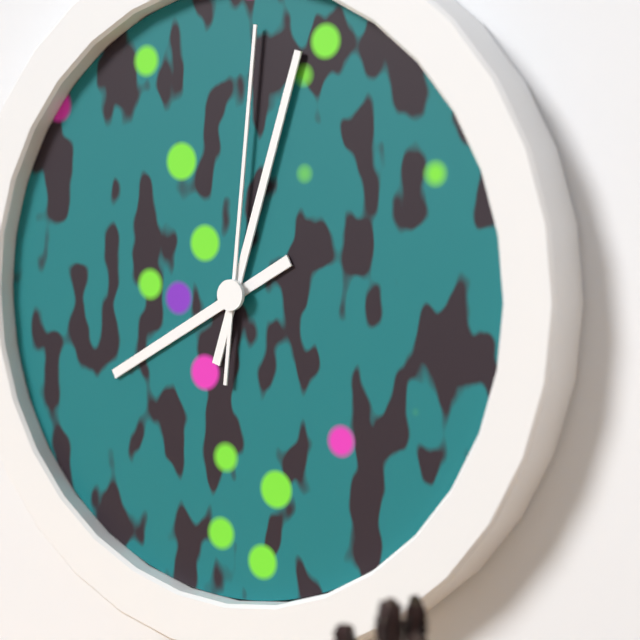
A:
h=8 m=3 s=1
